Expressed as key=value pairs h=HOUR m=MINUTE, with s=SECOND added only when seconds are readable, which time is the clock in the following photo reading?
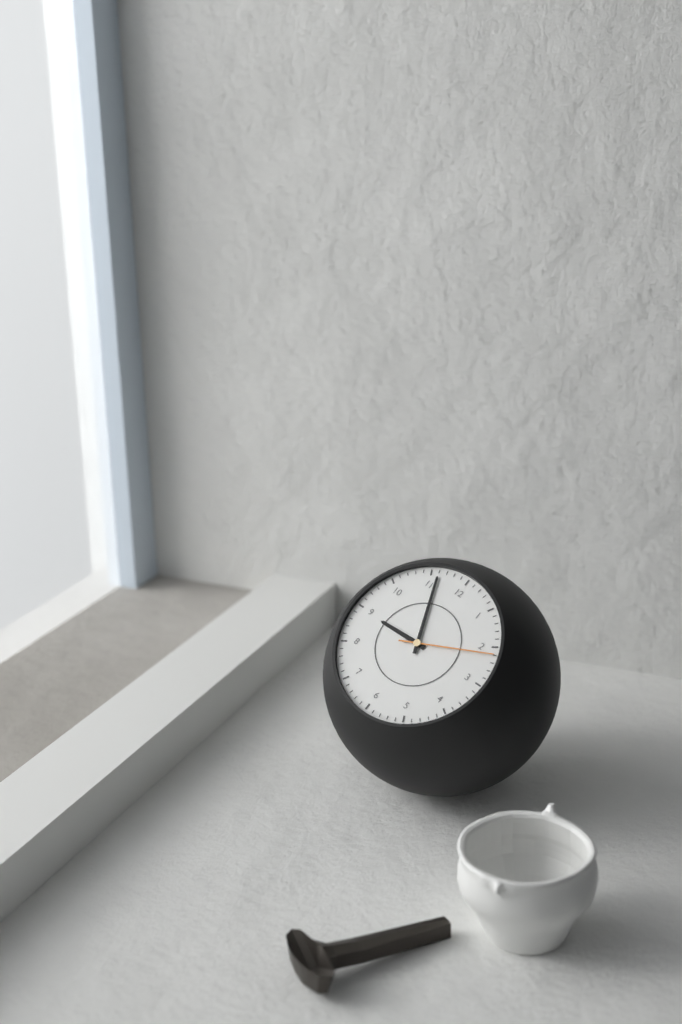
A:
h=8 m=56 s=11
